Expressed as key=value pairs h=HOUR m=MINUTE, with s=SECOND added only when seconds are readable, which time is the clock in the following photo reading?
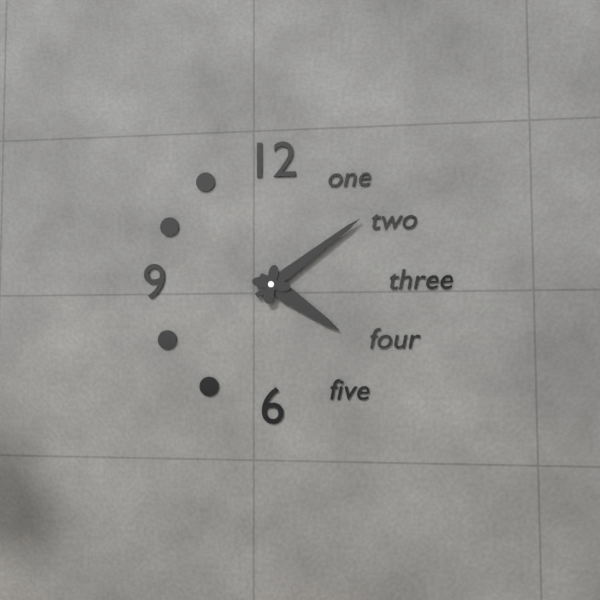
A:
h=4 m=9
